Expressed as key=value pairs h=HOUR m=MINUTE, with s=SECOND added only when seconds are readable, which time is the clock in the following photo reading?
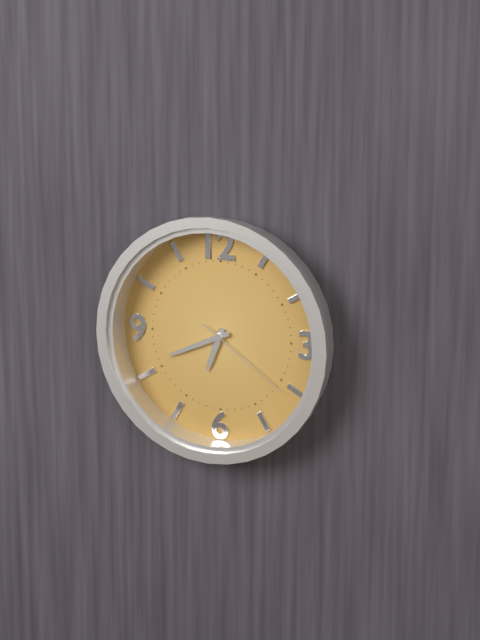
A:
h=6 m=41 s=21
